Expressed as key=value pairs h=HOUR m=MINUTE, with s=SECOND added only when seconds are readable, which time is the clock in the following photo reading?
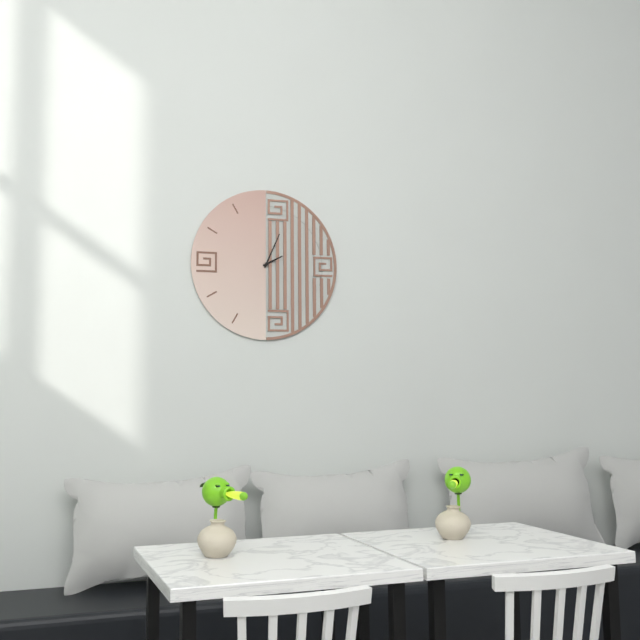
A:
h=2 m=4
